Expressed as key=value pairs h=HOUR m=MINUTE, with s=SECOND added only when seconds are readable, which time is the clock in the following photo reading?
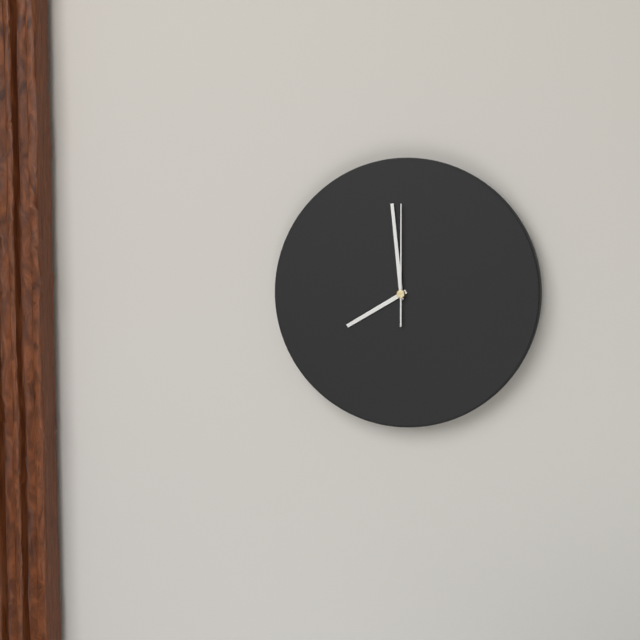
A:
h=7 m=59 s=0
